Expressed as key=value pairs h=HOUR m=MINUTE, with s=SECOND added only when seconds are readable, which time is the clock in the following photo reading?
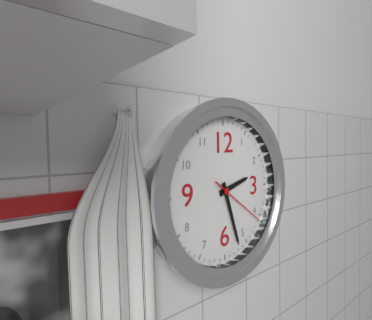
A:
h=2 m=27 s=21
